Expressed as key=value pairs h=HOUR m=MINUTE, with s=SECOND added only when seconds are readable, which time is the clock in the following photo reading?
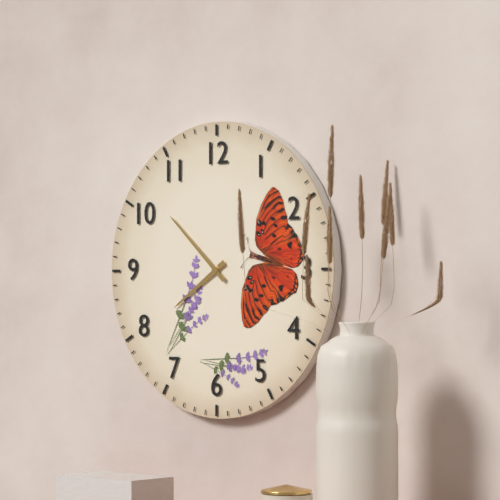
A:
h=7 m=52
